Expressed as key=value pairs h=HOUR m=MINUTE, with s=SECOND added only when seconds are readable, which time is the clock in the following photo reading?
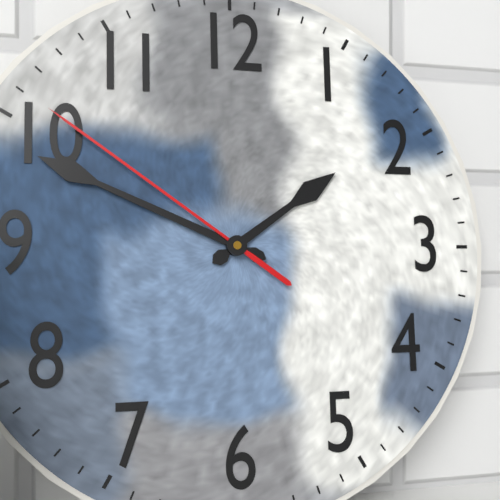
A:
h=1 m=49 s=51
